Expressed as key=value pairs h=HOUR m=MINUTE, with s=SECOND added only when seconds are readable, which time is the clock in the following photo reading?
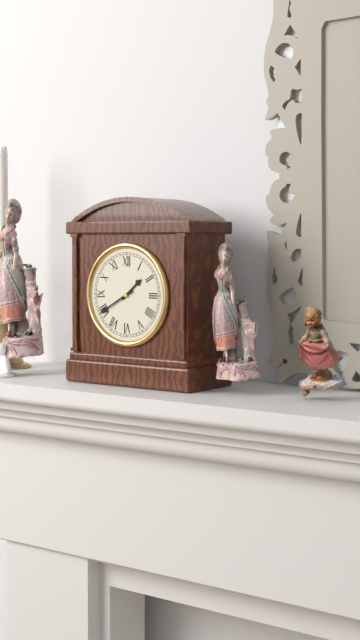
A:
h=1 m=40
